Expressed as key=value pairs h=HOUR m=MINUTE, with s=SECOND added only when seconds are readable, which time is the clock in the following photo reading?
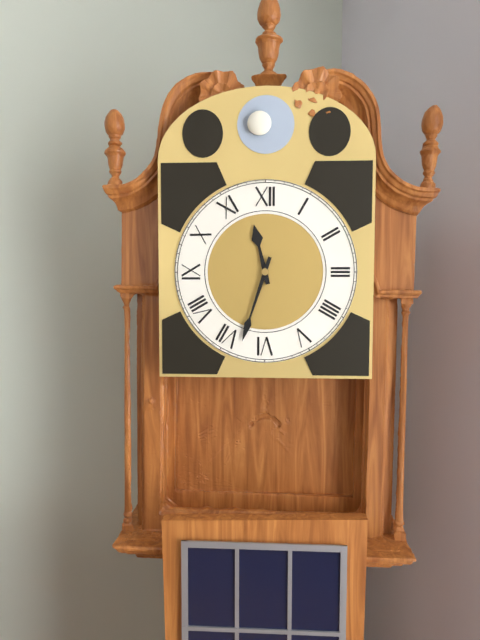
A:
h=11 m=33
